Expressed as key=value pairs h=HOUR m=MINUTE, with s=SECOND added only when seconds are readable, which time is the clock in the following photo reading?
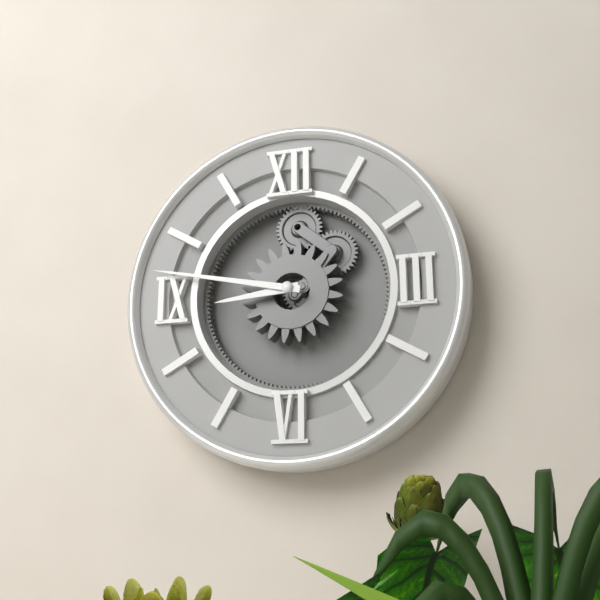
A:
h=8 m=47
